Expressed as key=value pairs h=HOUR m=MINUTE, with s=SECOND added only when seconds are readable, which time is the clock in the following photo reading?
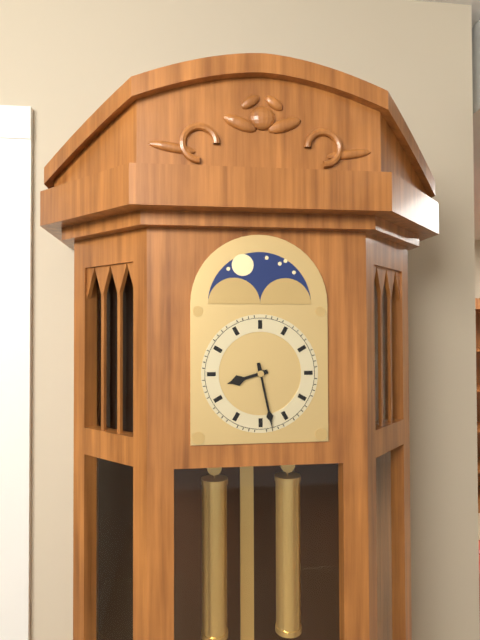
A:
h=8 m=28
